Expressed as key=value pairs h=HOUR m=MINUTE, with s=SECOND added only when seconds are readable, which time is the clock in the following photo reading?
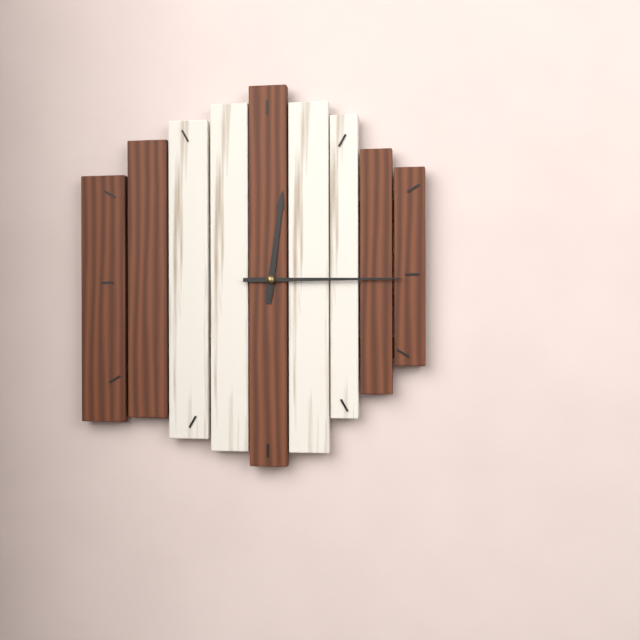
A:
h=12 m=15
